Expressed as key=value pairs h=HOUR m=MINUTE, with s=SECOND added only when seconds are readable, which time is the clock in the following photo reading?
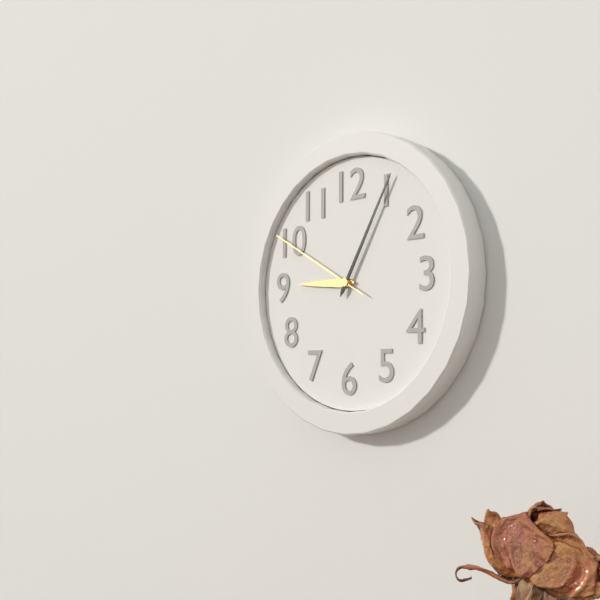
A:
h=9 m=5 s=50
